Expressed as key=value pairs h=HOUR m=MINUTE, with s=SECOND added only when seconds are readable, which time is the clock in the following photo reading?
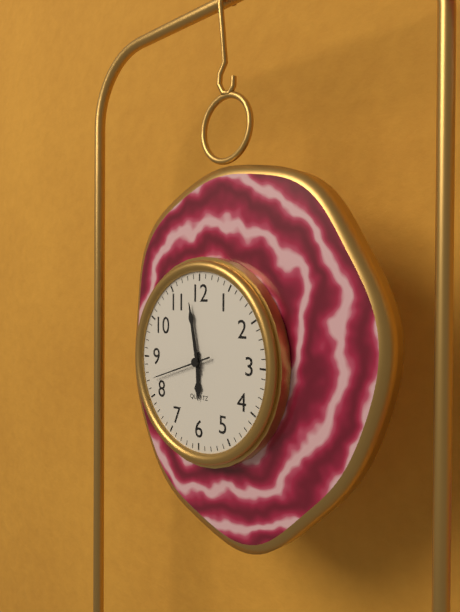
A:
h=5 m=58 s=42
